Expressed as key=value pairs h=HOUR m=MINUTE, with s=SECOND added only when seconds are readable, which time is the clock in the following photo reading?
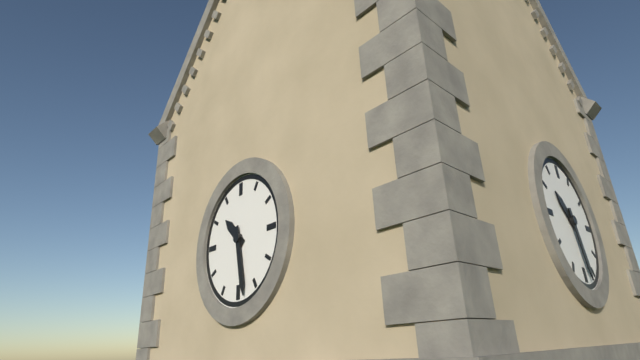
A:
h=10 m=28
